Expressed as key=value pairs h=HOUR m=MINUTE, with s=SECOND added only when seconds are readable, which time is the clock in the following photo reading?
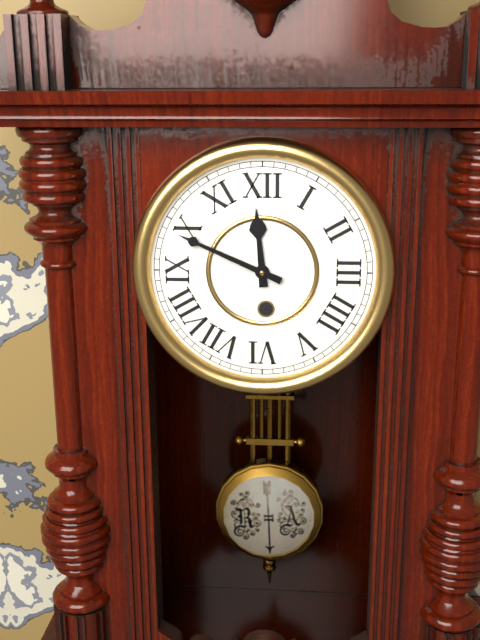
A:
h=11 m=49
